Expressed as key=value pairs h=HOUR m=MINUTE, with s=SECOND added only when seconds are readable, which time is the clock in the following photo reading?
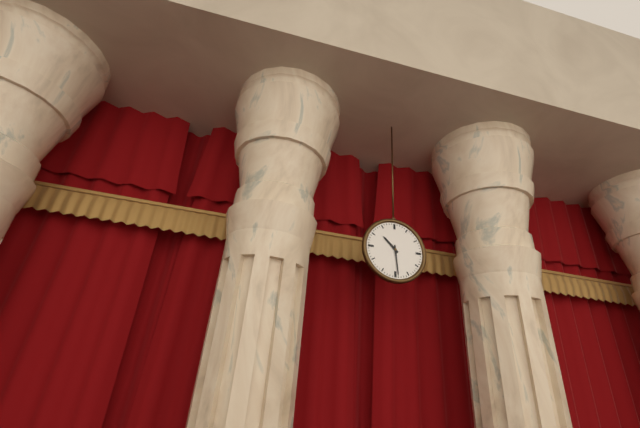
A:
h=10 m=29
